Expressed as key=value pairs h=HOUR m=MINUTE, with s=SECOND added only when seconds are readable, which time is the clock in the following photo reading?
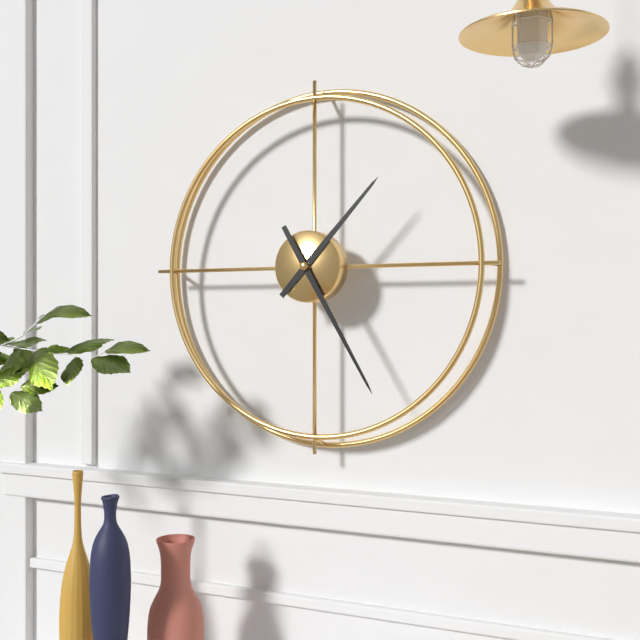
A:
h=1 m=25
